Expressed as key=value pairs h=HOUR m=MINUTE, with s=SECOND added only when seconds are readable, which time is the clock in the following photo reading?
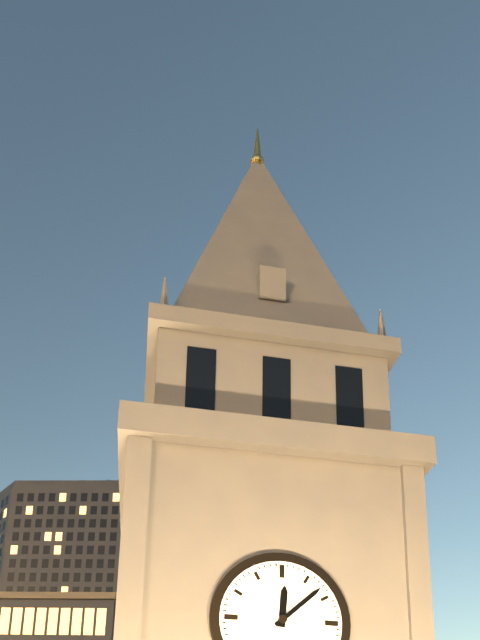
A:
h=12 m=8
